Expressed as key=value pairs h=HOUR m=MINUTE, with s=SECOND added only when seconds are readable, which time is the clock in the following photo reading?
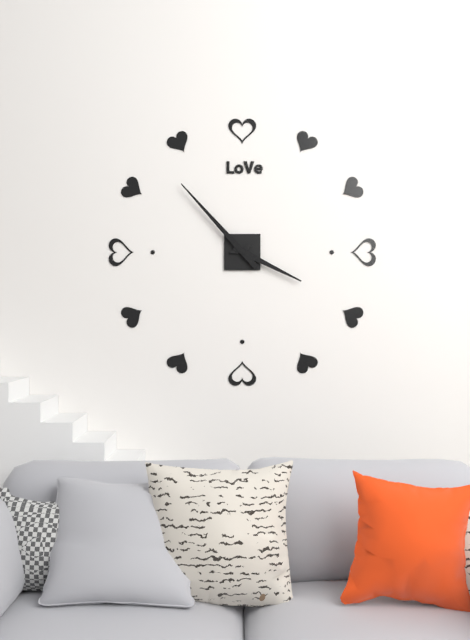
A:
h=3 m=53
